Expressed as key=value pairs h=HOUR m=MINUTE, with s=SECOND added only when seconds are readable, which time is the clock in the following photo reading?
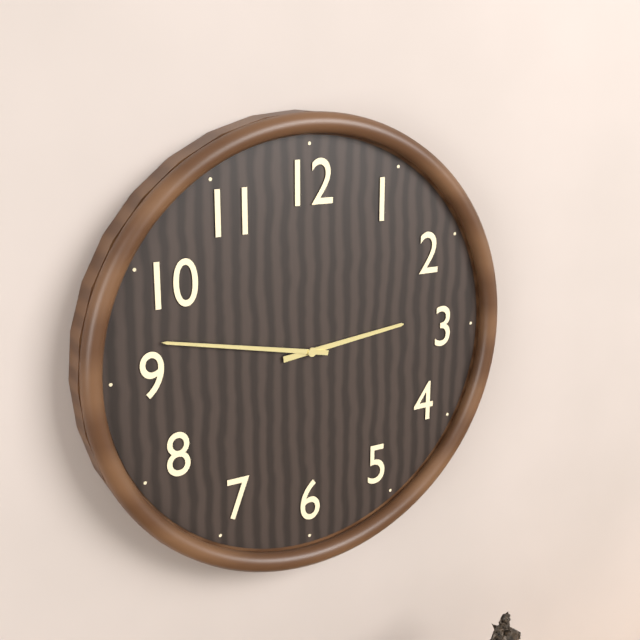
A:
h=2 m=47
